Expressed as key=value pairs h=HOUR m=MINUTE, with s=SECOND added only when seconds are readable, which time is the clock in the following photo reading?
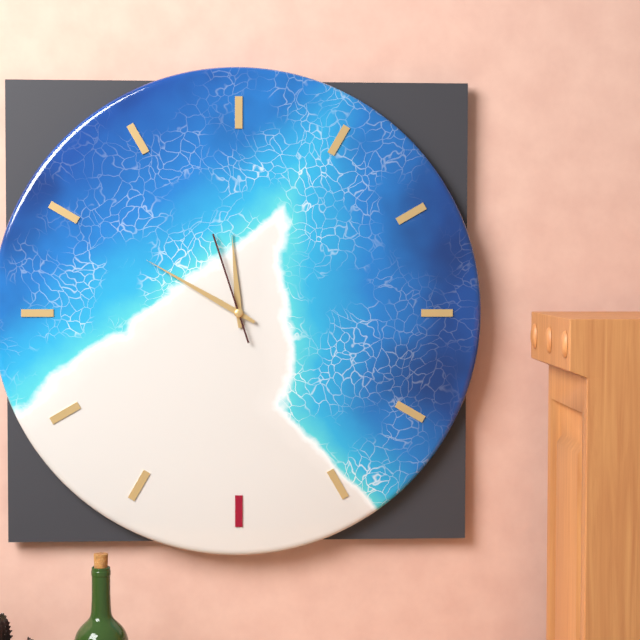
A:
h=11 m=50 s=57
